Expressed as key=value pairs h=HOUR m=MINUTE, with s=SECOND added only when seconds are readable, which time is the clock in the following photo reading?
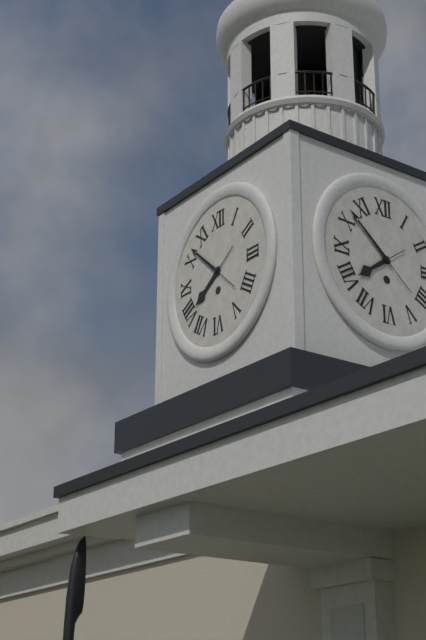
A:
h=7 m=52
